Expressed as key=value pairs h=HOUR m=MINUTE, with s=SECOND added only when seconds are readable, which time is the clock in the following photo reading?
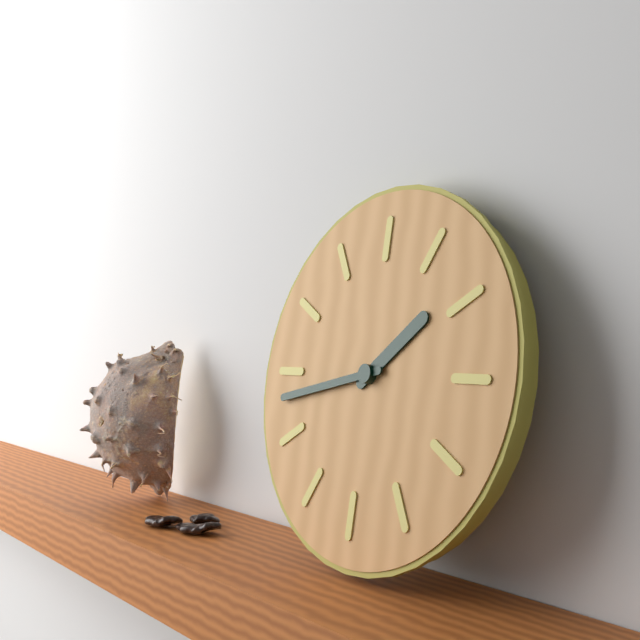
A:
h=1 m=43
